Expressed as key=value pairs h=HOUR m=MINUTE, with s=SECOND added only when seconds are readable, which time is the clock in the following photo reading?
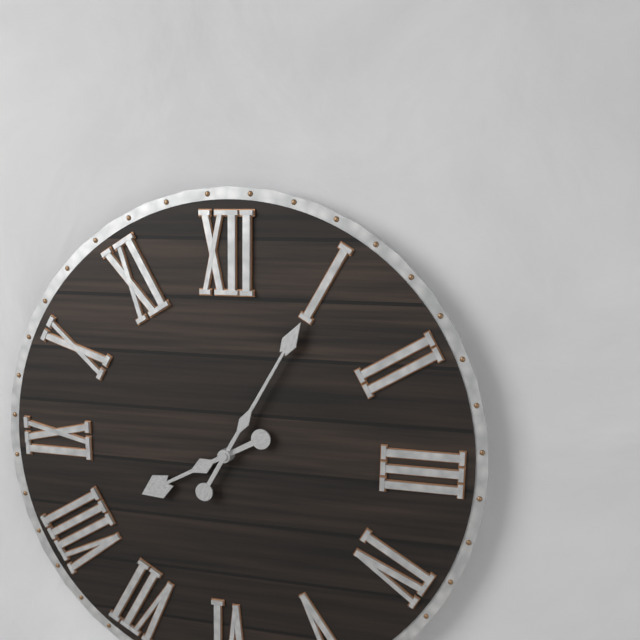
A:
h=8 m=5
